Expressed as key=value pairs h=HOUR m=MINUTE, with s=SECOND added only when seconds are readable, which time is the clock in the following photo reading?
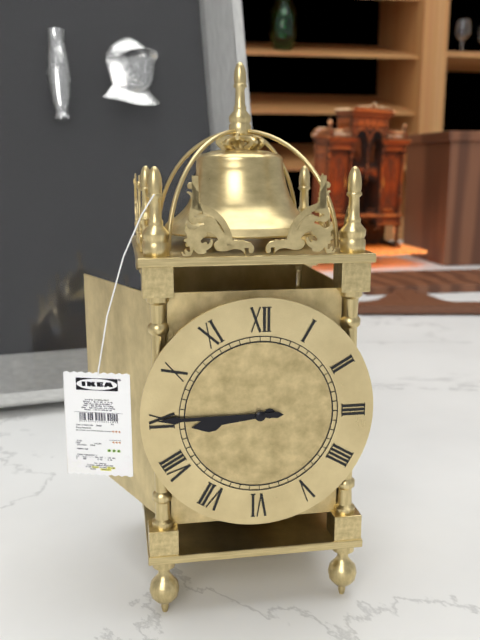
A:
h=8 m=45
